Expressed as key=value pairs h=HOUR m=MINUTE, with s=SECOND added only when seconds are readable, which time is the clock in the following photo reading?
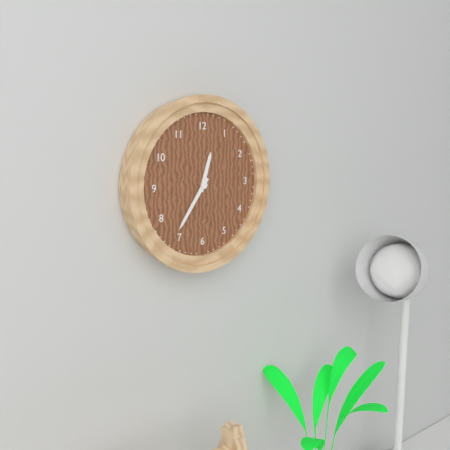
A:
h=12 m=36
